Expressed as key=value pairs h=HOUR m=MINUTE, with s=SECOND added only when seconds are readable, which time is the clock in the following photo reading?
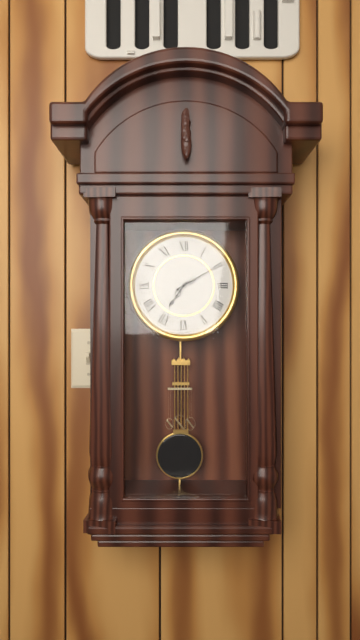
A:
h=7 m=10
